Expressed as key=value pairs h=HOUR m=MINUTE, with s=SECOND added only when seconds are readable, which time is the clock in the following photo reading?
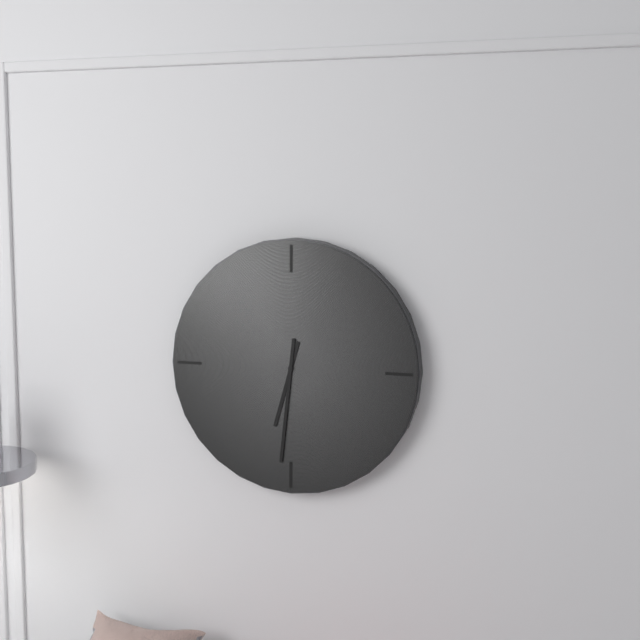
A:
h=6 m=31
